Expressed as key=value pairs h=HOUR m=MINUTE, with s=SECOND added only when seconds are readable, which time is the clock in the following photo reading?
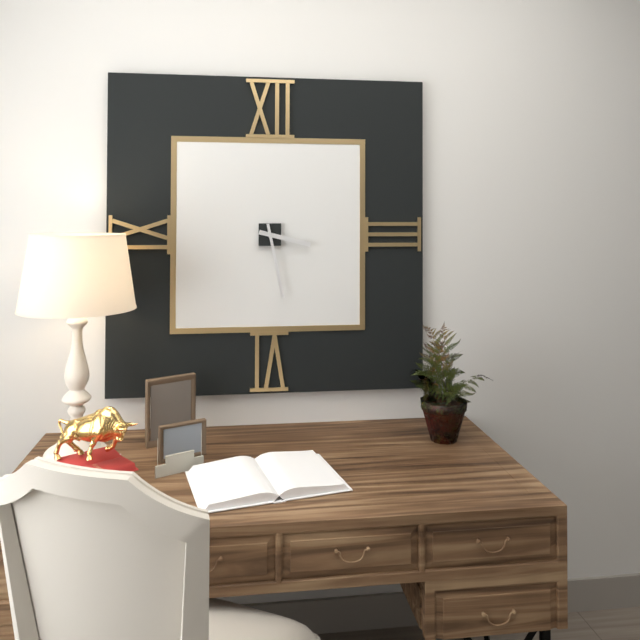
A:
h=3 m=28
